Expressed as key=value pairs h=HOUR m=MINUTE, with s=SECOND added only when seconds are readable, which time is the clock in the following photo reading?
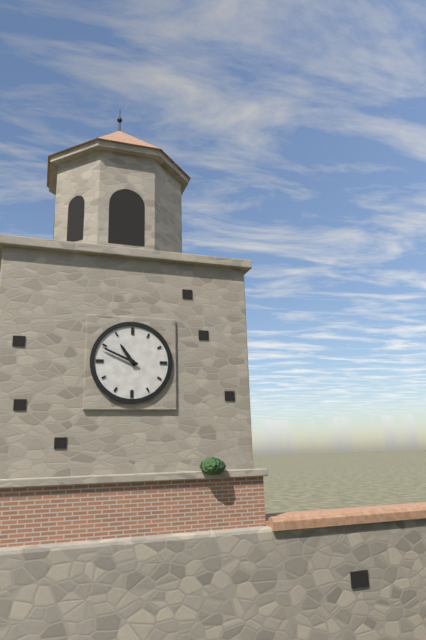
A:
h=10 m=49
